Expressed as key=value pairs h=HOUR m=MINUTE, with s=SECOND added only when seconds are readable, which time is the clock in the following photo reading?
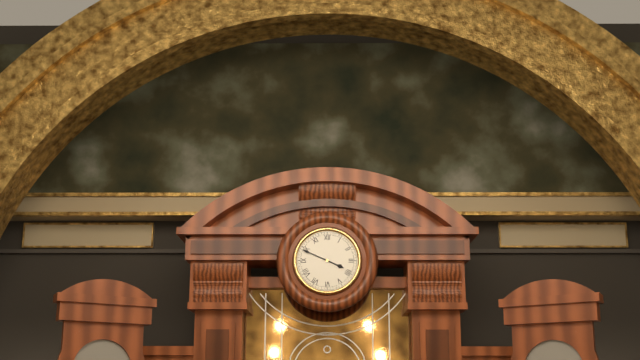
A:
h=3 m=49
